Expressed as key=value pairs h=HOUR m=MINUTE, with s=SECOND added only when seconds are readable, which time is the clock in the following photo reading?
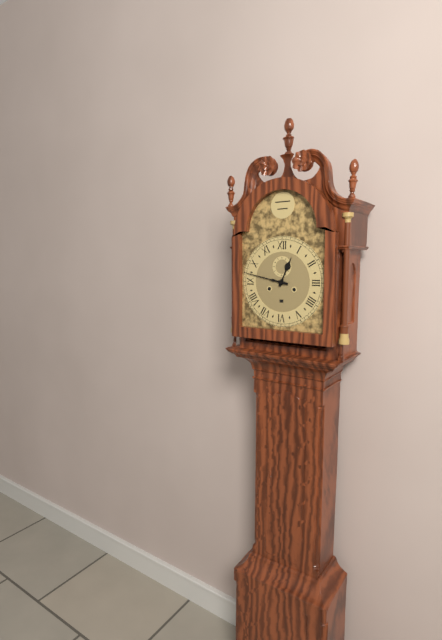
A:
h=12 m=47
